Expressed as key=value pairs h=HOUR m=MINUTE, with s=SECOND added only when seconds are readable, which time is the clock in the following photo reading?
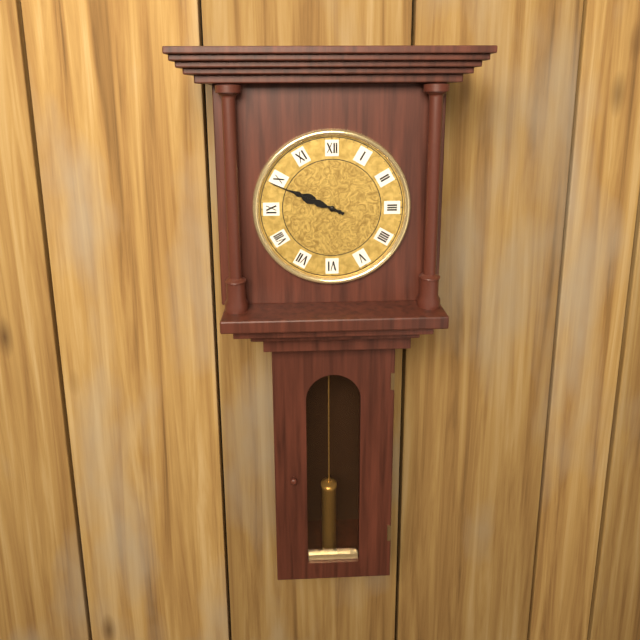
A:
h=9 m=49
